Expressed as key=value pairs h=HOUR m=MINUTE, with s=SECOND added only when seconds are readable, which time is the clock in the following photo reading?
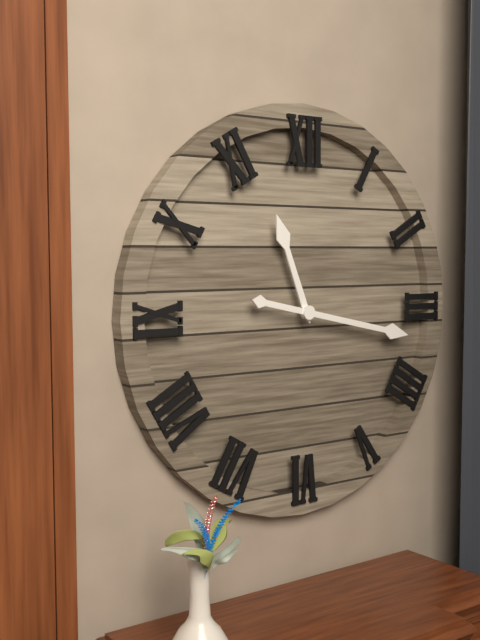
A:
h=11 m=17
